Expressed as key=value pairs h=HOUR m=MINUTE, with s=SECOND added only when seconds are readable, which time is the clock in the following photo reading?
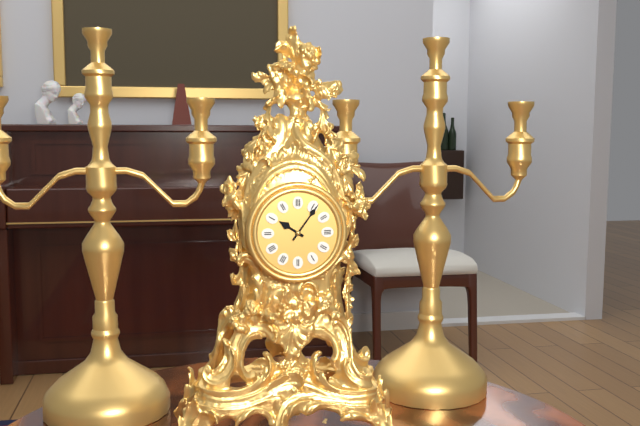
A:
h=10 m=6
